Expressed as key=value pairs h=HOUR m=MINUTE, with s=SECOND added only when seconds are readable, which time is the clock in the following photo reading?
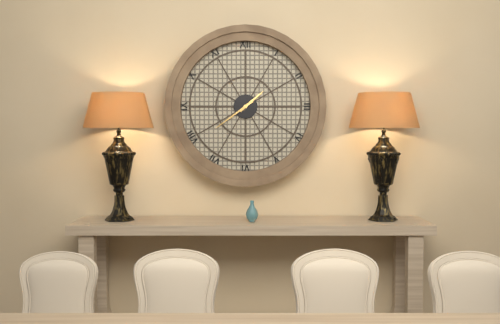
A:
h=1 m=39
